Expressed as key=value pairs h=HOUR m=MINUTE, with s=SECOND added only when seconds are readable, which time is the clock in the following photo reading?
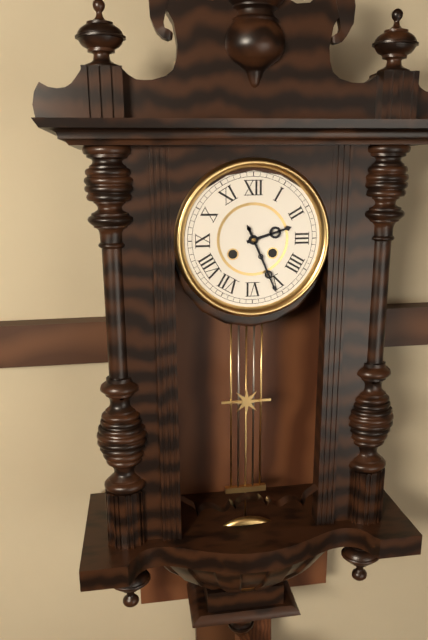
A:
h=2 m=26
